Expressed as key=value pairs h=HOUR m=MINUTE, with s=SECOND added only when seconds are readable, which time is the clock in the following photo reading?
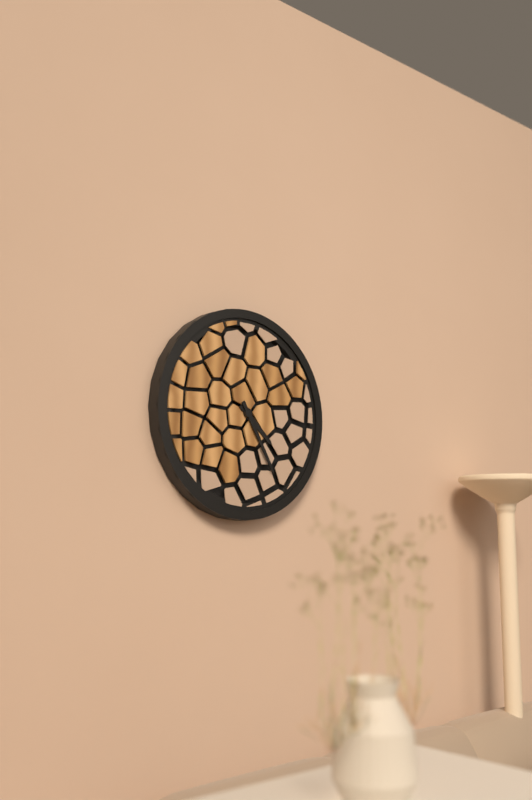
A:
h=4 m=25
